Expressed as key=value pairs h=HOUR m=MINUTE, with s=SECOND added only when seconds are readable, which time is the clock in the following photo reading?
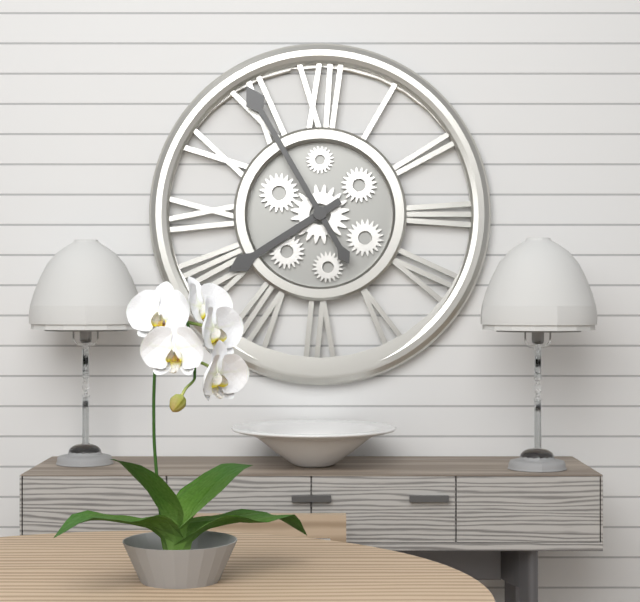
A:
h=7 m=55
